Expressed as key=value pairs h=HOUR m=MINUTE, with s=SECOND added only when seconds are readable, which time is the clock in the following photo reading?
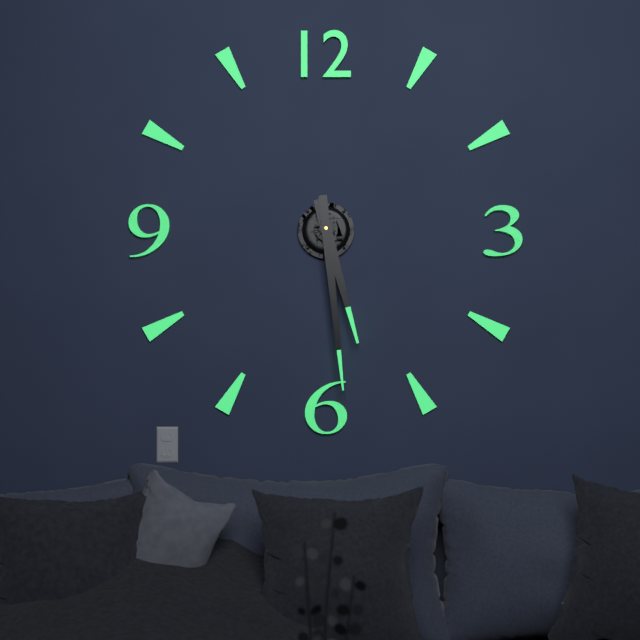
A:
h=5 m=29
